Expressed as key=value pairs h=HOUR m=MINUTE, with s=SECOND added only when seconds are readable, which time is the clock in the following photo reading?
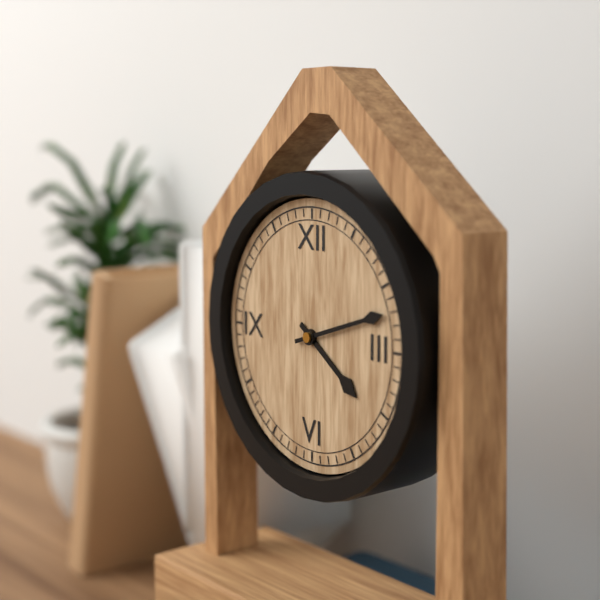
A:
h=4 m=12
